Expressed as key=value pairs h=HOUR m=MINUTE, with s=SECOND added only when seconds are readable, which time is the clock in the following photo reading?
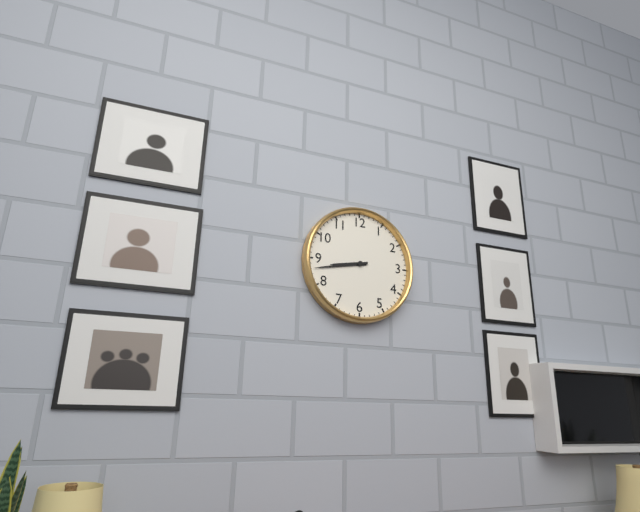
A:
h=8 m=43
